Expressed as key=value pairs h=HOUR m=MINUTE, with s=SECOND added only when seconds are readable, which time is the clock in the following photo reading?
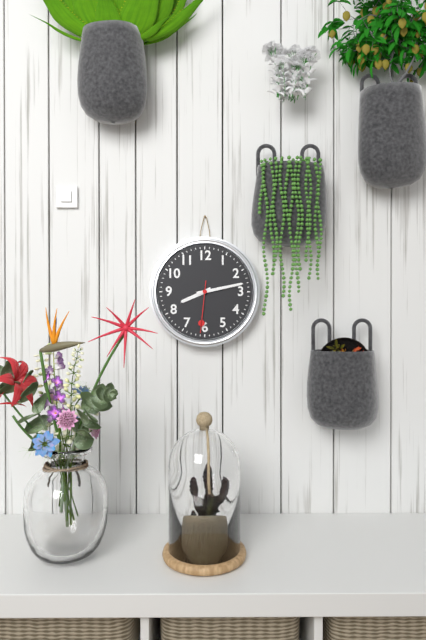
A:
h=8 m=13 s=31
